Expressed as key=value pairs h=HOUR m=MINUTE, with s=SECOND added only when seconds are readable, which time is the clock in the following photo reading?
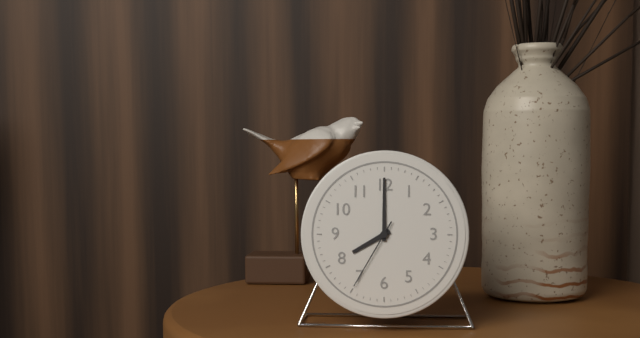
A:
h=8 m=0 s=35
